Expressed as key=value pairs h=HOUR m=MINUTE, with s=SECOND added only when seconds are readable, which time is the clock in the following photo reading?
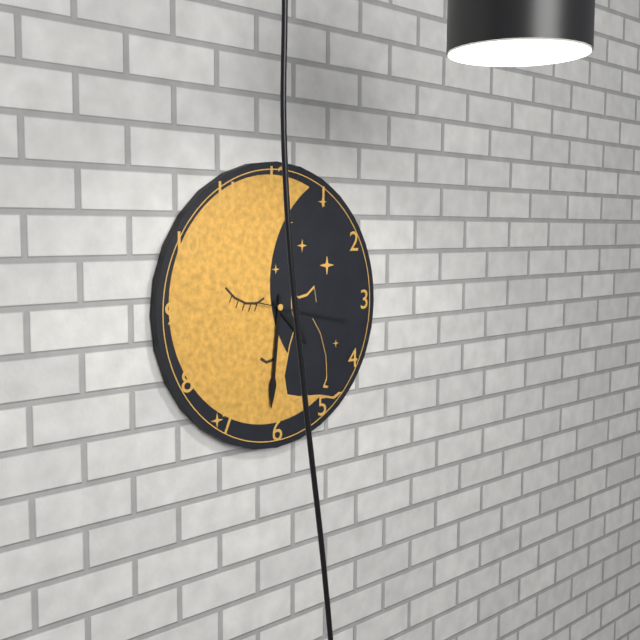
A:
h=4 m=31 s=17
